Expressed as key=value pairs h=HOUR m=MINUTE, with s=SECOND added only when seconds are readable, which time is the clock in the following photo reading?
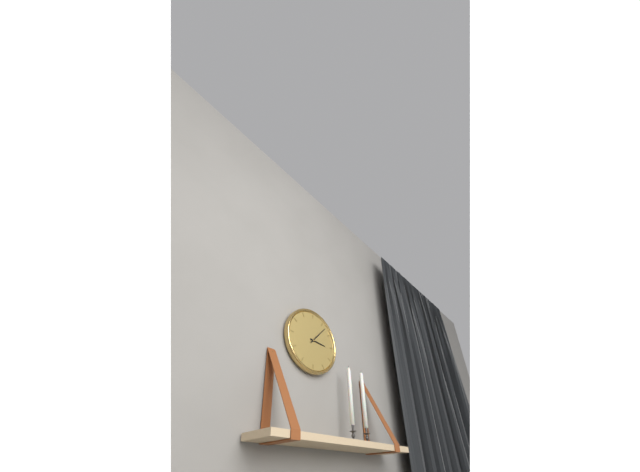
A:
h=3 m=7
